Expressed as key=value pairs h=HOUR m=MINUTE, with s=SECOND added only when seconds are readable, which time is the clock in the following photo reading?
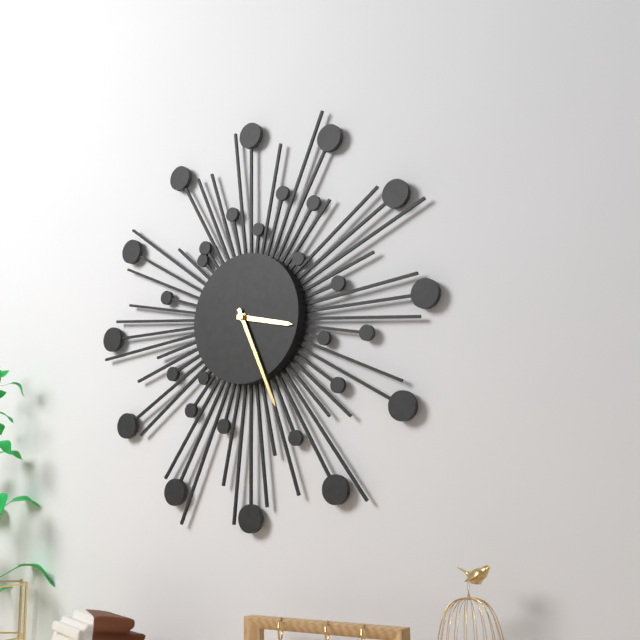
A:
h=3 m=26
